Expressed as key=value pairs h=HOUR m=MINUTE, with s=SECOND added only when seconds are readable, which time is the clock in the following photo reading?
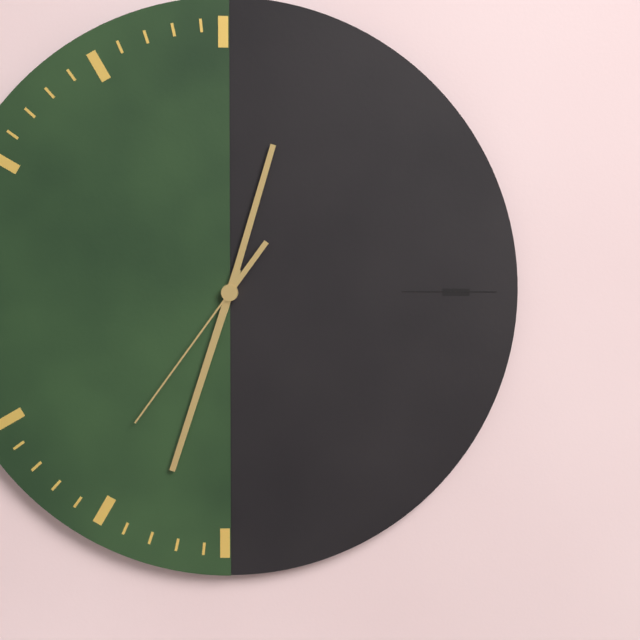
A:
h=12 m=33 s=36
